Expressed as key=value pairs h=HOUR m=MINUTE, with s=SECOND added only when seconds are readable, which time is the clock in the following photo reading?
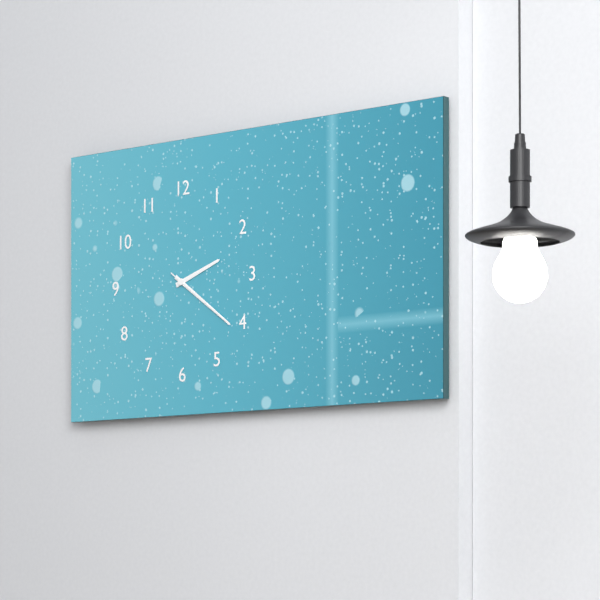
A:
h=2 m=21 s=21
